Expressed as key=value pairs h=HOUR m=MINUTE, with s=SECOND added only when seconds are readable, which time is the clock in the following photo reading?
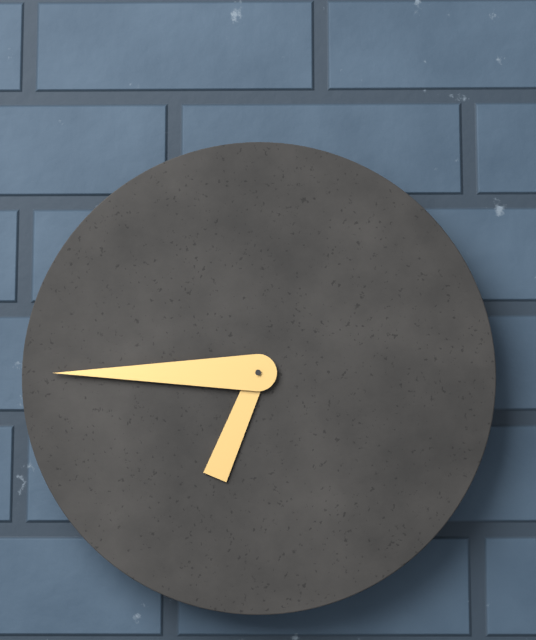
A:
h=6 m=45
